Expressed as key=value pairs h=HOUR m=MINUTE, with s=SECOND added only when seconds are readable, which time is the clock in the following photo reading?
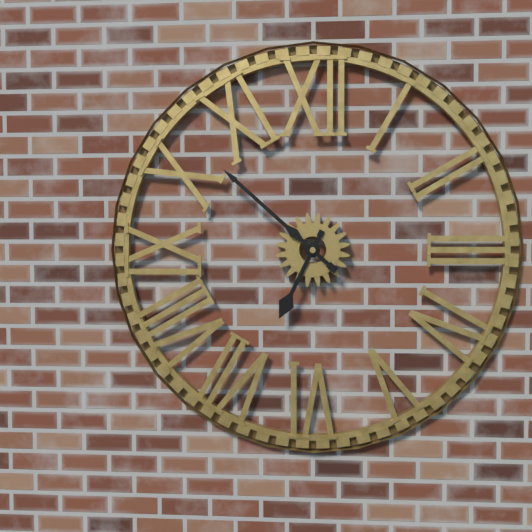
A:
h=6 m=52
